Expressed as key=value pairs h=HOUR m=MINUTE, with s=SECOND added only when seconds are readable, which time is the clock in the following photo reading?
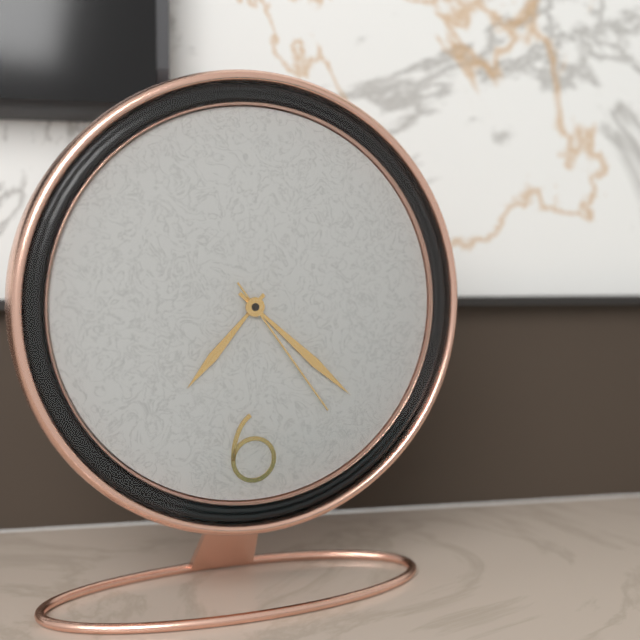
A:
h=7 m=22 s=24
